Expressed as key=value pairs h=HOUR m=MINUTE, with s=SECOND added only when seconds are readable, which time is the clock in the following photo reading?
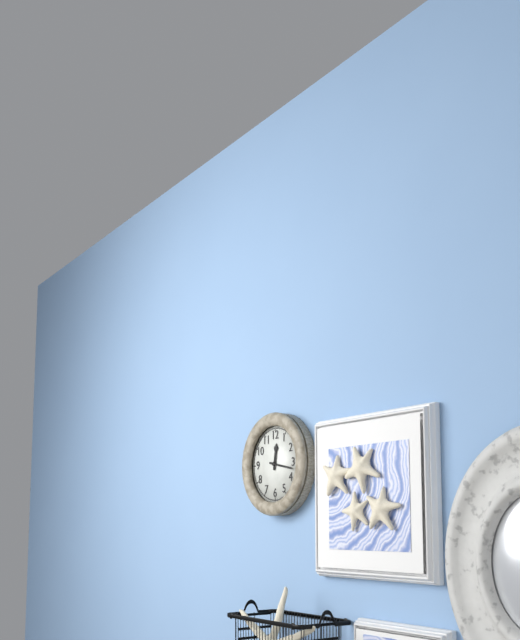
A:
h=12 m=17
